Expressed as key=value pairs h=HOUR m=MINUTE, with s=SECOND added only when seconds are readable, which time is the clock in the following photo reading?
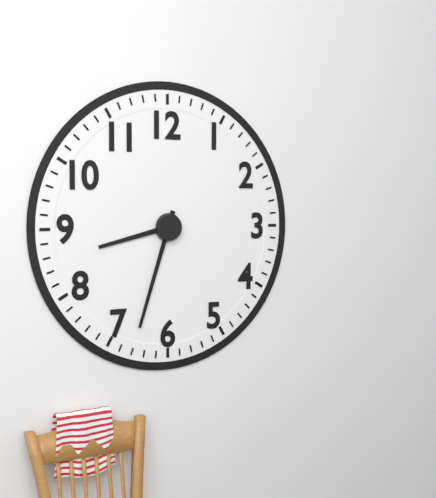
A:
h=8 m=33
